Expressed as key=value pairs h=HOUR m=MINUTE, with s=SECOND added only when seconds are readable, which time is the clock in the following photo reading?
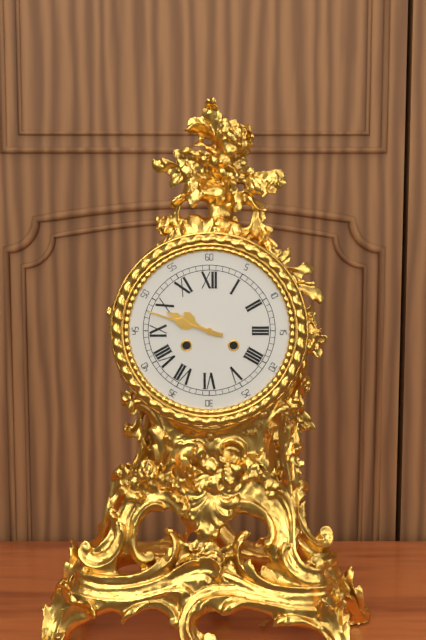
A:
h=9 m=48
